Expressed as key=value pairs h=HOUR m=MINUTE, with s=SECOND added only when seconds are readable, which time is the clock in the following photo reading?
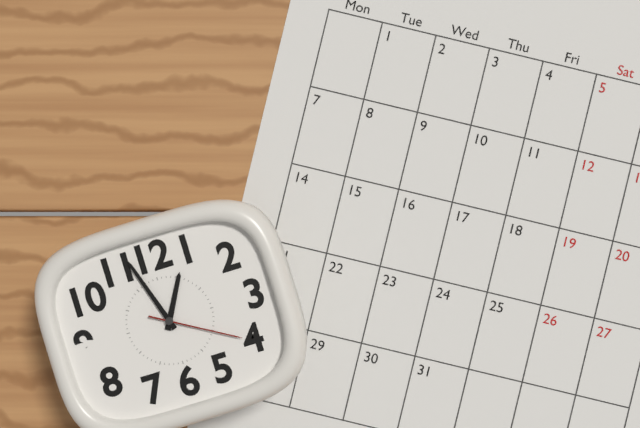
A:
h=12 m=57 s=20
